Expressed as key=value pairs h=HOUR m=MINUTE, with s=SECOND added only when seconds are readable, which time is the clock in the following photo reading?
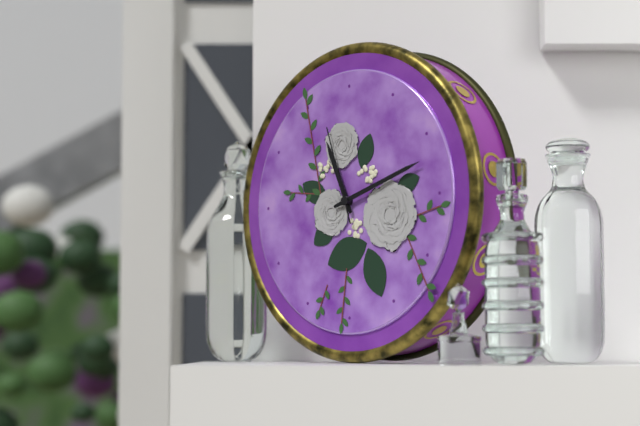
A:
h=11 m=12 s=57
